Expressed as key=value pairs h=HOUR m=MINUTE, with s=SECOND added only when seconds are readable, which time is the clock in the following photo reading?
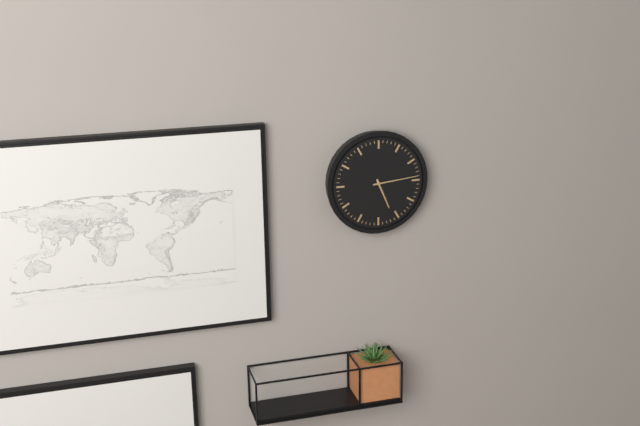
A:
h=5 m=14
